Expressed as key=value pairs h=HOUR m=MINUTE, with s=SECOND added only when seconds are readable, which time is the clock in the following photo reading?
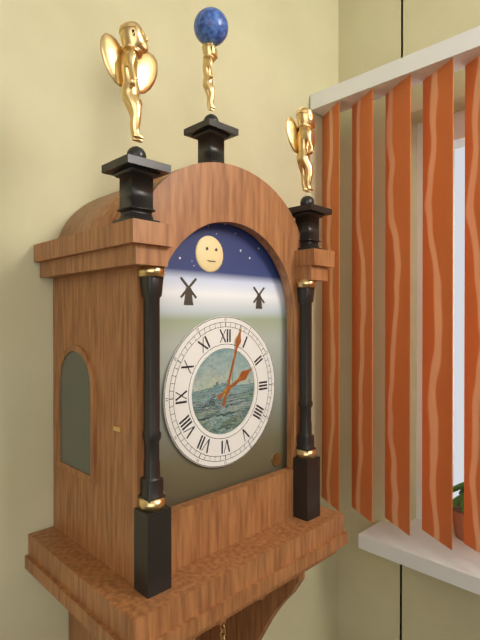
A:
h=2 m=3
